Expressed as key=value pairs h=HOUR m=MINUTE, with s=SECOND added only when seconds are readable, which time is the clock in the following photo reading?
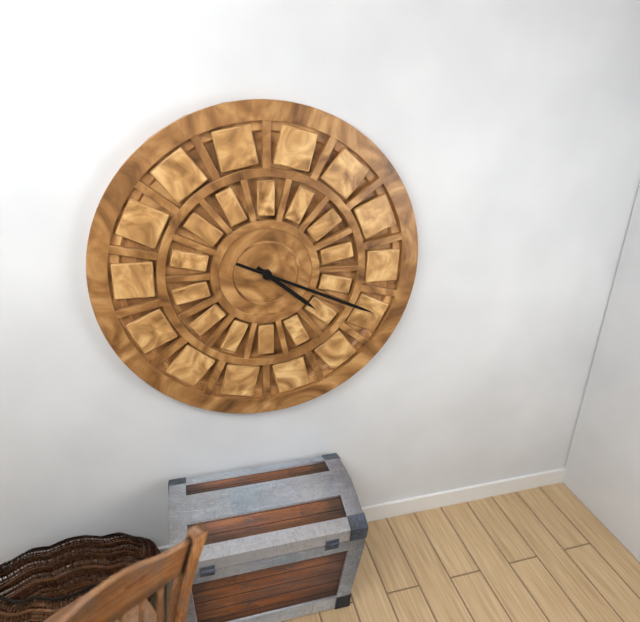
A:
h=4 m=19
